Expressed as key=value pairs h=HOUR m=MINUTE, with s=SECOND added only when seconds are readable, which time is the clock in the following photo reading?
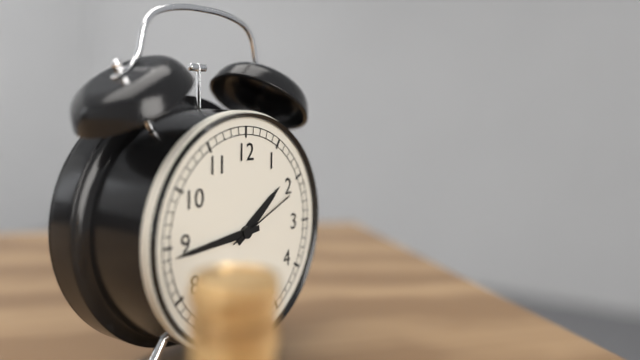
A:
h=1 m=44 s=11
